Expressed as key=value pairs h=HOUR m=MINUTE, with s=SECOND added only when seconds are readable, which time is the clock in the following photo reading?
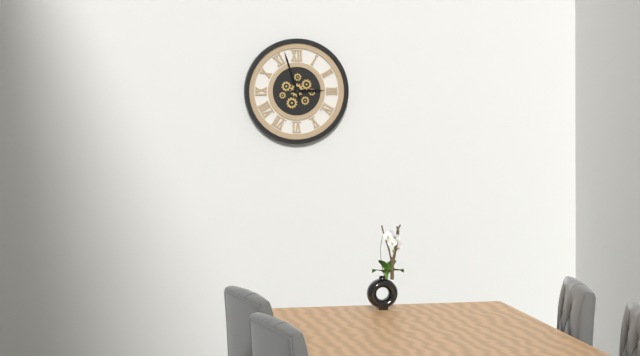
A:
h=2 m=57
